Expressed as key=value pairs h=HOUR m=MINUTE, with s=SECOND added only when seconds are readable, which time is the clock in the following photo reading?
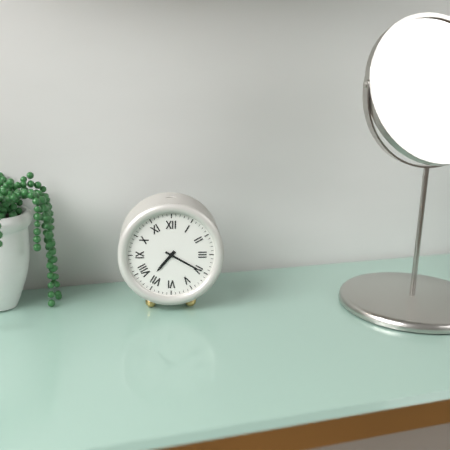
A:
h=7 m=20
